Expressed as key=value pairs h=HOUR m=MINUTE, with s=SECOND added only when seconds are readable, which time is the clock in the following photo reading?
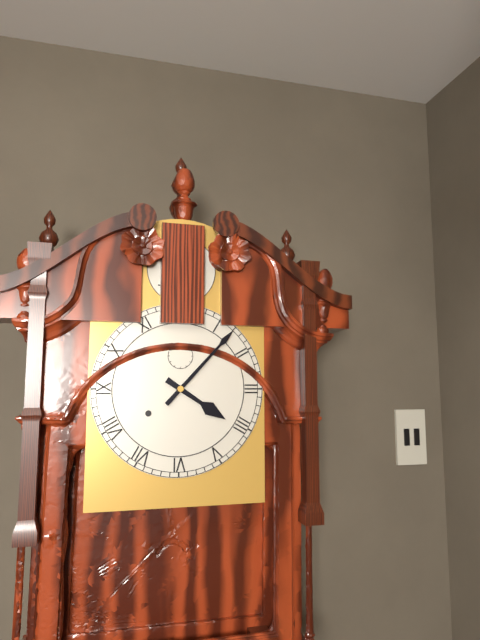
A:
h=4 m=7
